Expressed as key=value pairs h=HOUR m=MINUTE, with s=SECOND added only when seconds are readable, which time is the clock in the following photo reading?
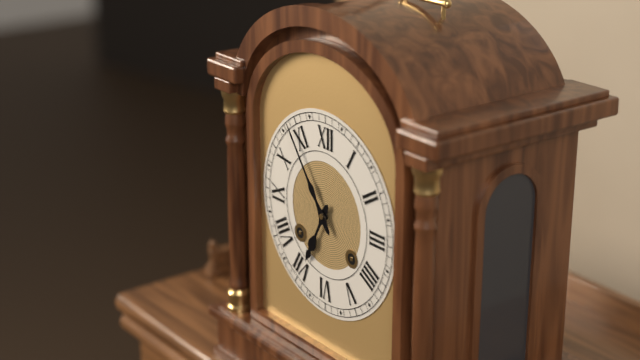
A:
h=6 m=54
